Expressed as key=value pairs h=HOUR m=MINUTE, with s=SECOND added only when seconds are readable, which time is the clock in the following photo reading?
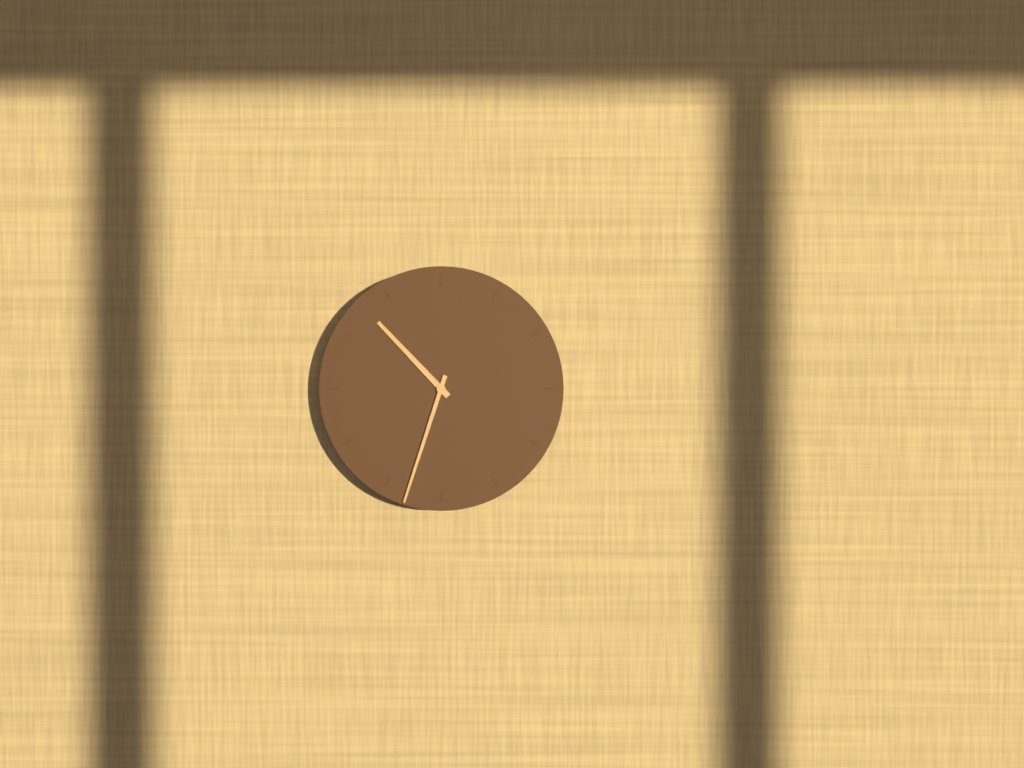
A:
h=10 m=33
